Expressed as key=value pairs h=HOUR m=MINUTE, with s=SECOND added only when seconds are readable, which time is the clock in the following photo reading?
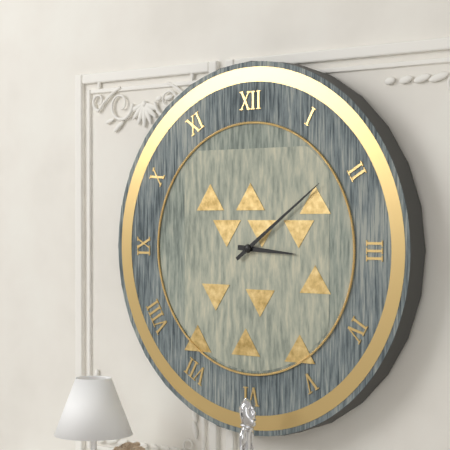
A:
h=3 m=9
